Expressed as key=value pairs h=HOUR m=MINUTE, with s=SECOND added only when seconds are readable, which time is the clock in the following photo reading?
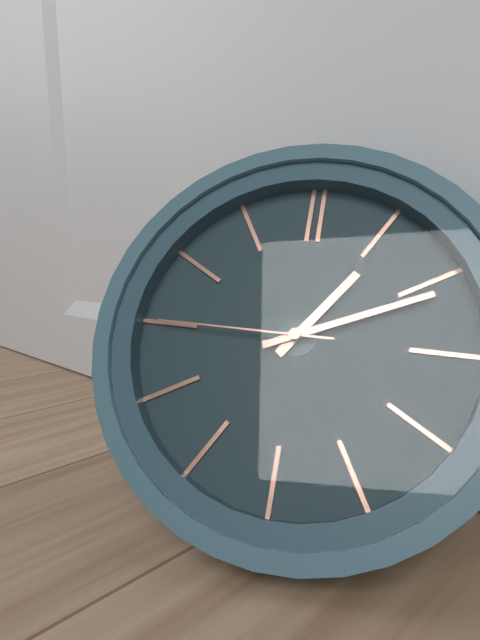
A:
h=1 m=11 s=45
